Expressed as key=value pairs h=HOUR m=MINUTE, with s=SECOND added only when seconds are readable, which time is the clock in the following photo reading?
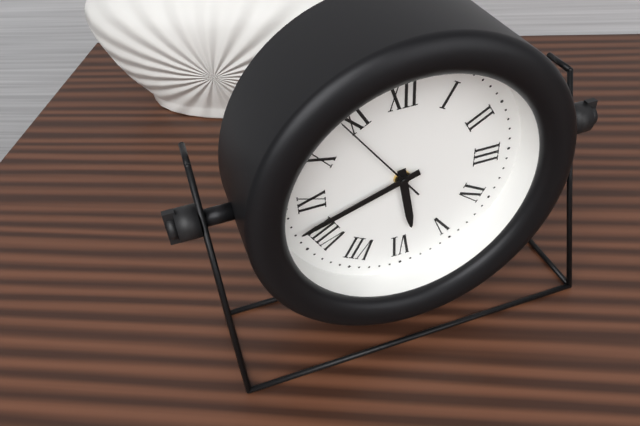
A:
h=5 m=42 s=54
